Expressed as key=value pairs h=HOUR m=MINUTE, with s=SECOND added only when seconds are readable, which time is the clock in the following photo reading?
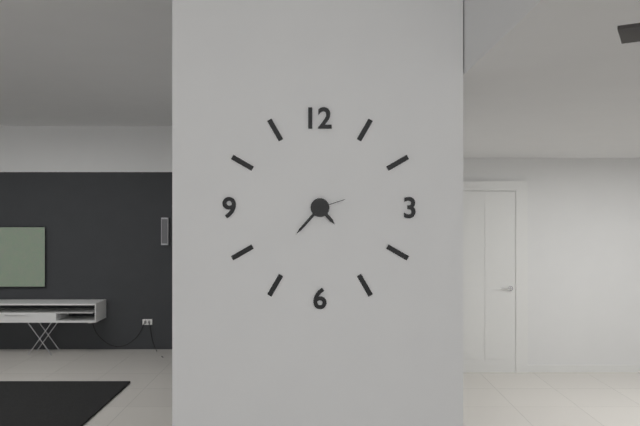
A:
h=4 m=37
